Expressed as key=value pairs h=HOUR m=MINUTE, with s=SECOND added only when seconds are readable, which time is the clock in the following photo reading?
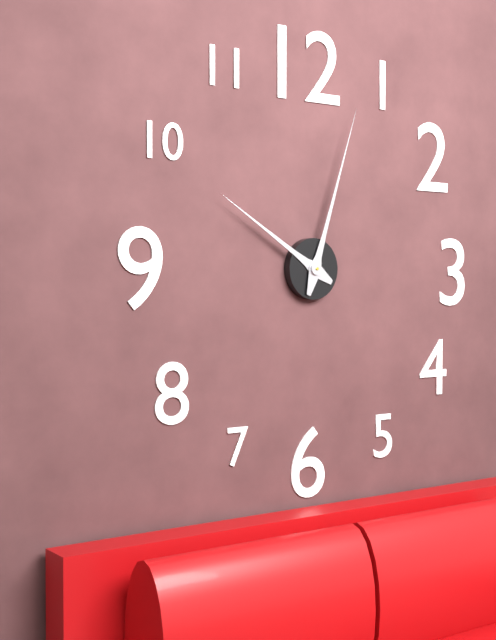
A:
h=10 m=3
